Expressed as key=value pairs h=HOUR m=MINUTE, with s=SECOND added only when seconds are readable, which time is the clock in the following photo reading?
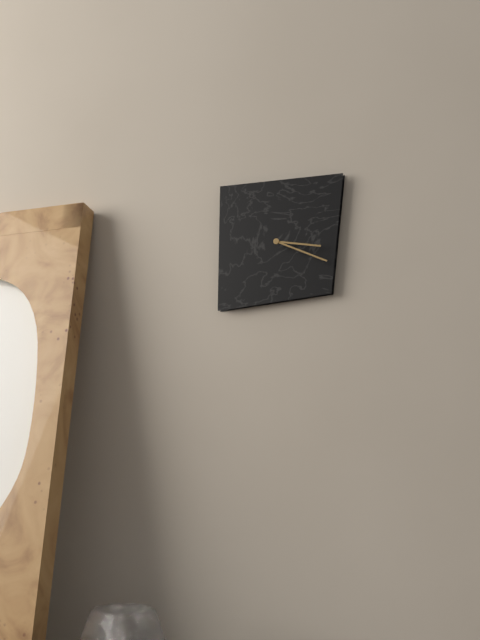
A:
h=3 m=19
